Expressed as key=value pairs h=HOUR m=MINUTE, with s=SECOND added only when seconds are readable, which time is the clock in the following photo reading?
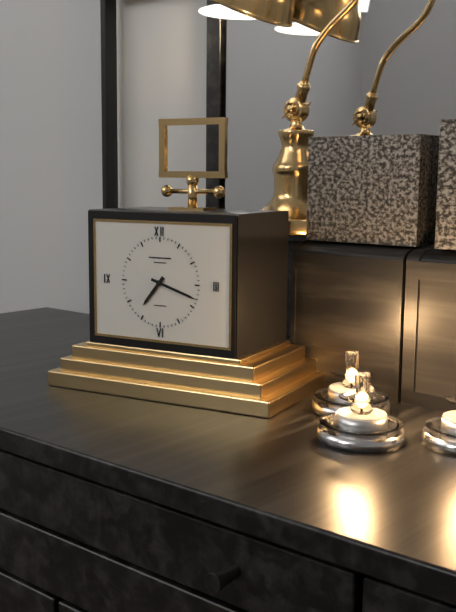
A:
h=7 m=18
